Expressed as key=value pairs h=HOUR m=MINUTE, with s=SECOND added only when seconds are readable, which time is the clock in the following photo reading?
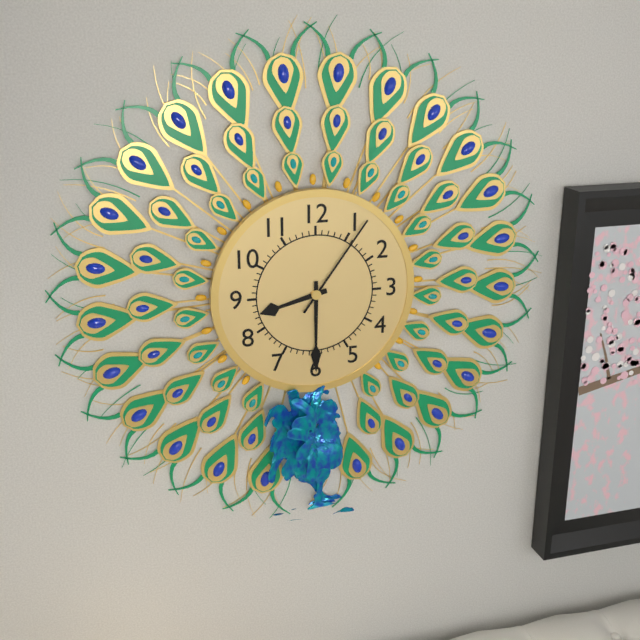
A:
h=8 m=30 s=6
